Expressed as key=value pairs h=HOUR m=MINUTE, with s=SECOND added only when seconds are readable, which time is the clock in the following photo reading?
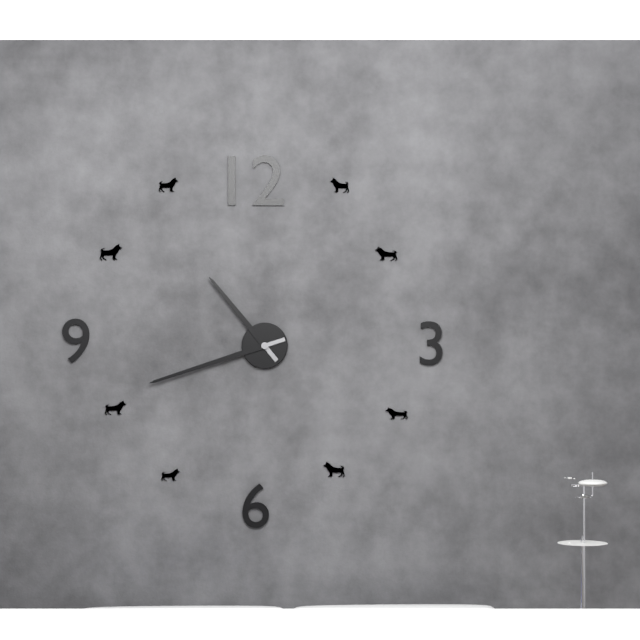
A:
h=10 m=42
